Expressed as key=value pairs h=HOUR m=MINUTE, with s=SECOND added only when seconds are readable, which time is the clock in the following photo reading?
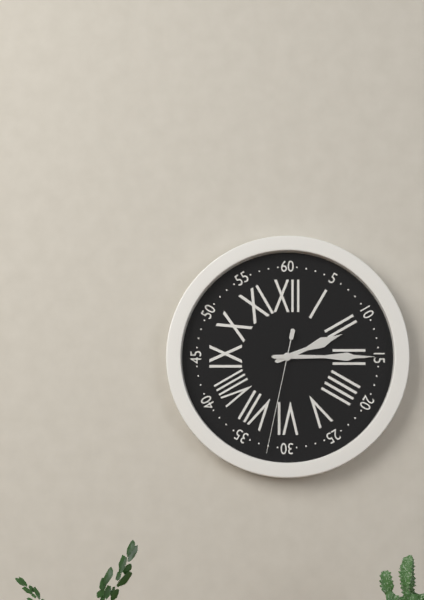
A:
h=2 m=15 s=32
